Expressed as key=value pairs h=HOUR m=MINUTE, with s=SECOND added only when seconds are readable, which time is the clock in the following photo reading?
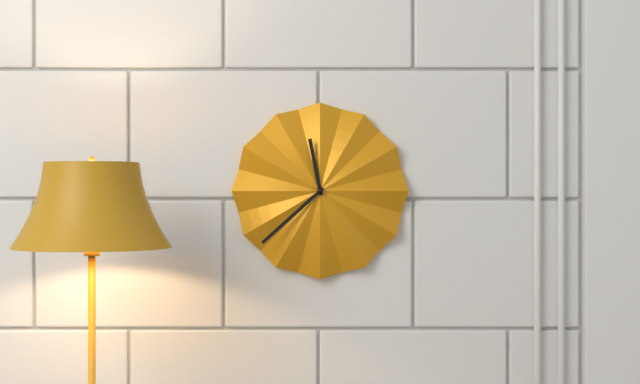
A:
h=11 m=38
